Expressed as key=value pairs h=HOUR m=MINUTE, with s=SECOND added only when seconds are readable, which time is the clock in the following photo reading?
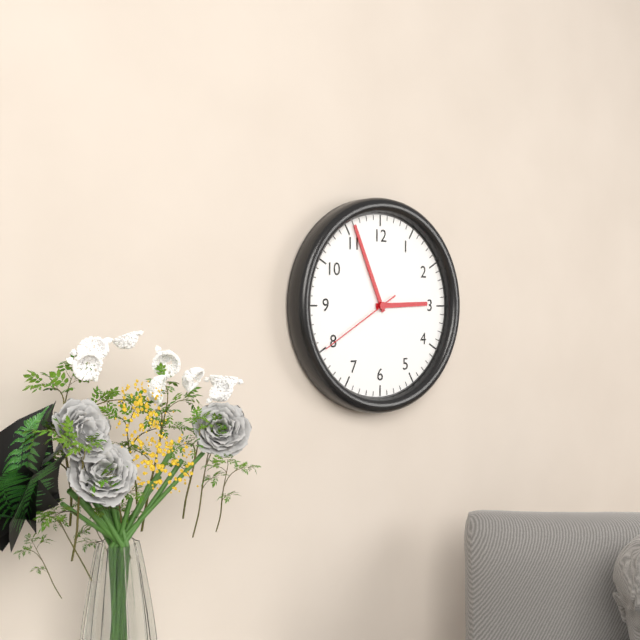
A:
h=2 m=56 s=40
